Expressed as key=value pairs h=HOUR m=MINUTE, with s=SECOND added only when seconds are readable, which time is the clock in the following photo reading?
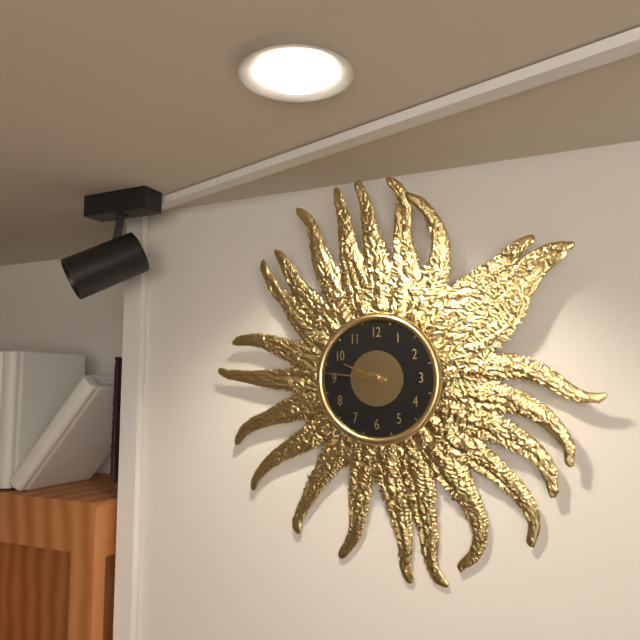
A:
h=9 m=46
